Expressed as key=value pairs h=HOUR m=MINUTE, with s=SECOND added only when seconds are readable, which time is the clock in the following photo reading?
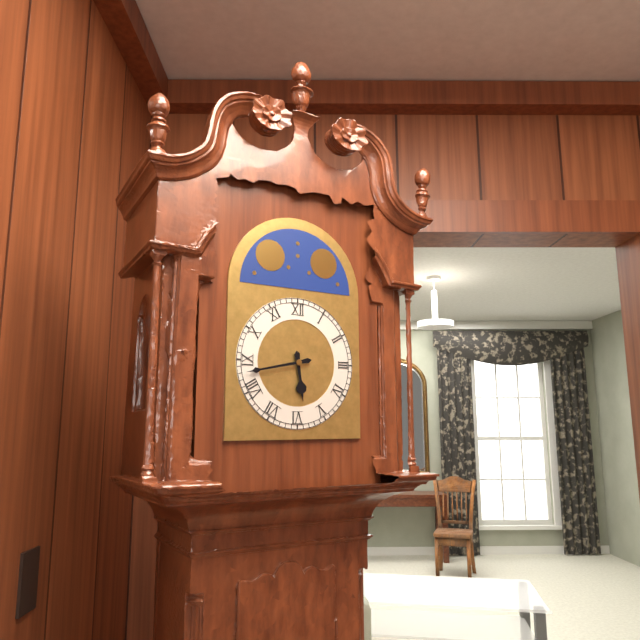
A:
h=5 m=43
